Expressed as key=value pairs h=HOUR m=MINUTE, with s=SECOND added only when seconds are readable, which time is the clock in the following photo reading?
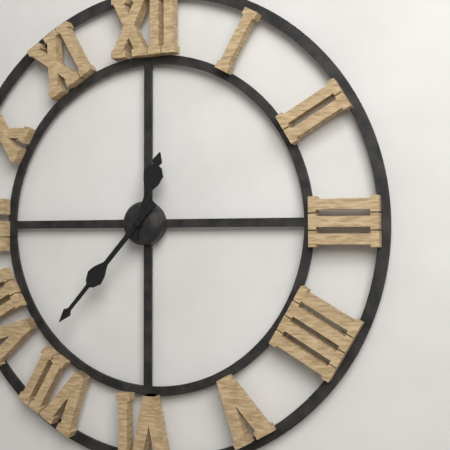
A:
h=12 m=37
